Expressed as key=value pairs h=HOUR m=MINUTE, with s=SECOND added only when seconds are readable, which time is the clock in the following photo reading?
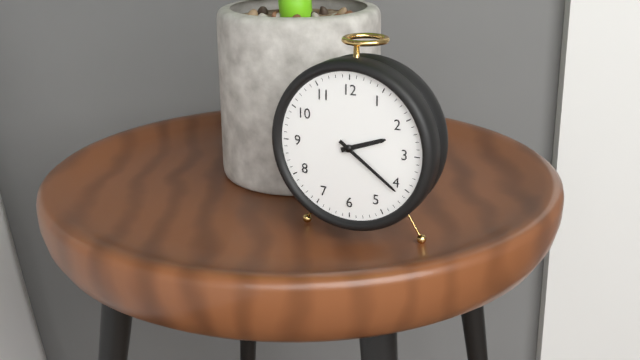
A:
h=2 m=21
